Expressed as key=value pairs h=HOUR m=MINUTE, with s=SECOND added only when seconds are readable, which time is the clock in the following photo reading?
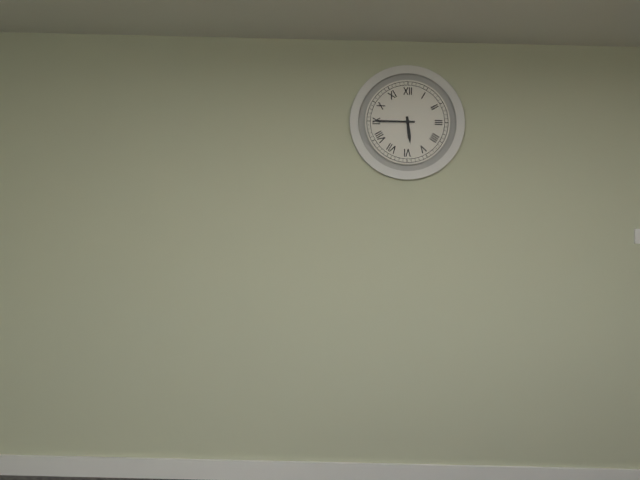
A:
h=5 m=45
